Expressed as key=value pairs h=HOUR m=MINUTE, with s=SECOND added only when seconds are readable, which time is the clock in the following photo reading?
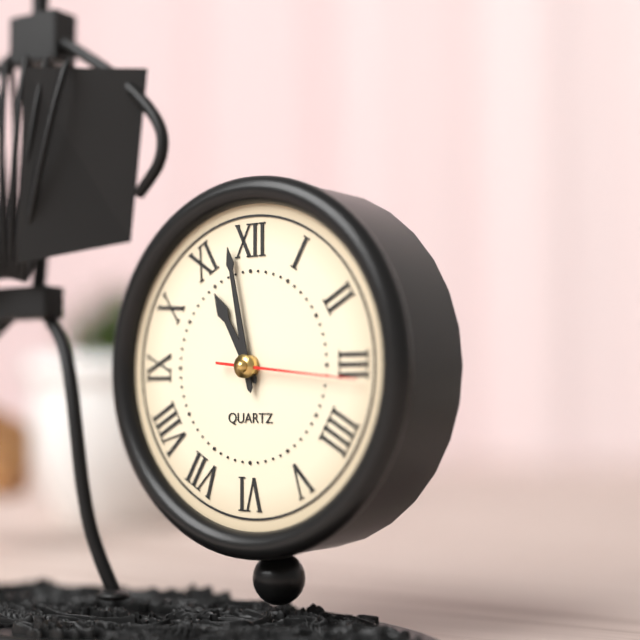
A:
h=10 m=58 s=16
